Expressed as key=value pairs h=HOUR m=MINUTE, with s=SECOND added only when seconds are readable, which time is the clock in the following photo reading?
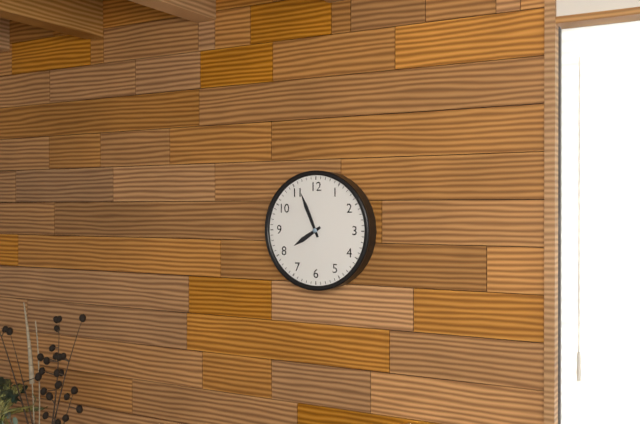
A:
h=7 m=56
